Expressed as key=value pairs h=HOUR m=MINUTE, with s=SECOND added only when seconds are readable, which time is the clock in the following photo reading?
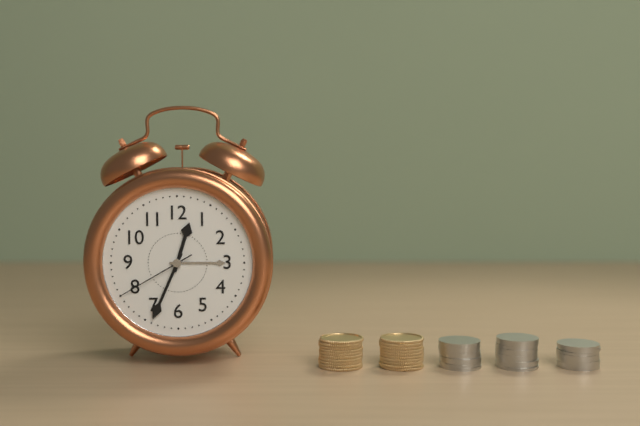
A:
h=12 m=34 s=40
